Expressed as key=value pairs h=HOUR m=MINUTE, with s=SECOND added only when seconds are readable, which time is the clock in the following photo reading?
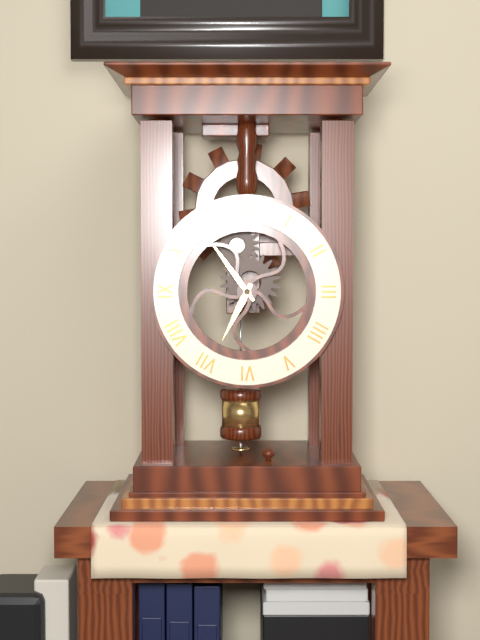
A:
h=6 m=54
